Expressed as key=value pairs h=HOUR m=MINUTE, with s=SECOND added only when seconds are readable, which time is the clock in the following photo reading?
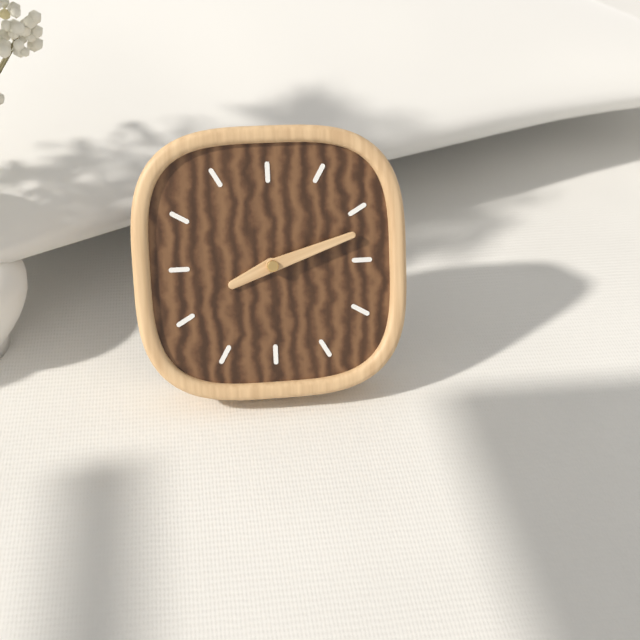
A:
h=8 m=12
